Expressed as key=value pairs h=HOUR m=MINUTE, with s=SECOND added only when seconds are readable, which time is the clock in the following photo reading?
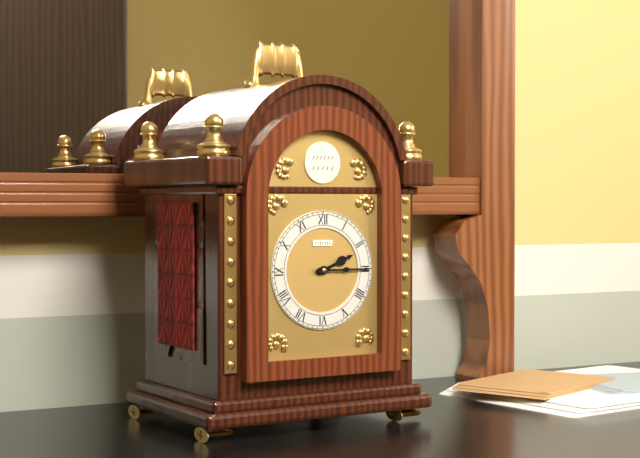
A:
h=2 m=15
